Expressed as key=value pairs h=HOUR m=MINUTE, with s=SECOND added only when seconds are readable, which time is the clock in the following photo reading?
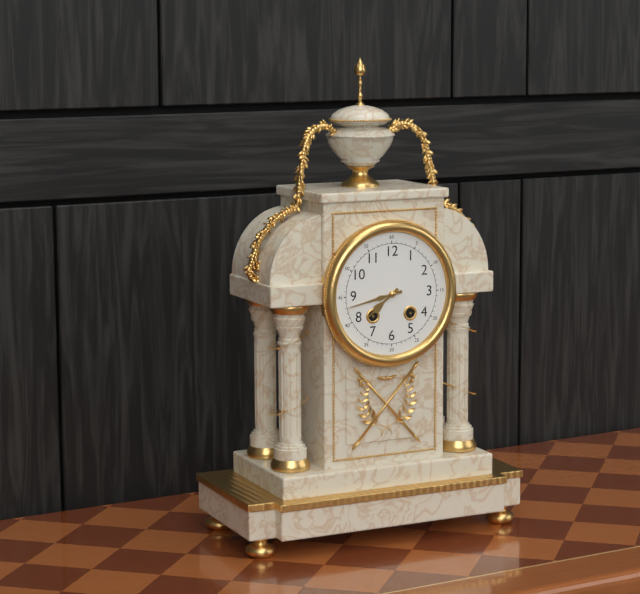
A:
h=7 m=43
